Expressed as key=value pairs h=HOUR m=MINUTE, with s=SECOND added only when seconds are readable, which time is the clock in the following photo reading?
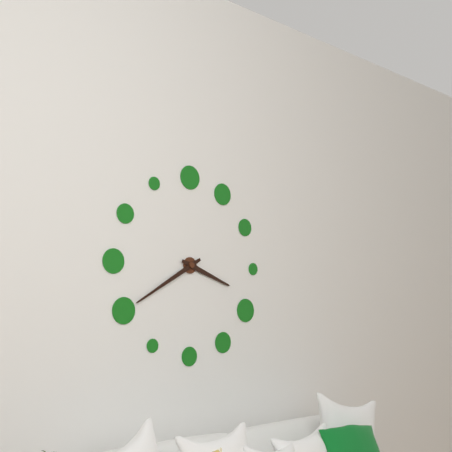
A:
h=3 m=40
